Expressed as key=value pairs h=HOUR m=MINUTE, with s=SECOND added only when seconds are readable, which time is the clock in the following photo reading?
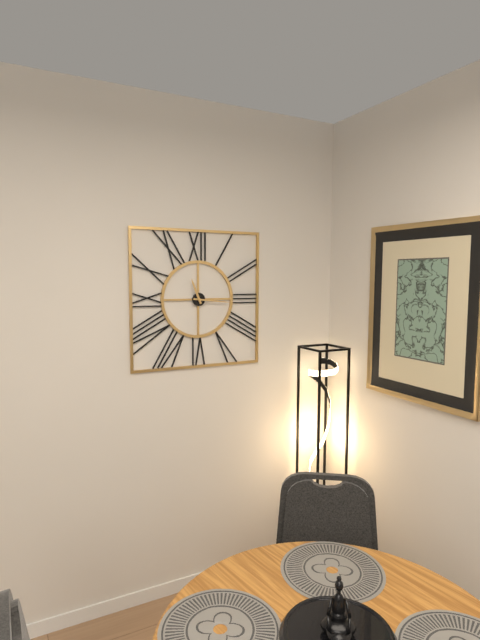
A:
h=11 m=16
